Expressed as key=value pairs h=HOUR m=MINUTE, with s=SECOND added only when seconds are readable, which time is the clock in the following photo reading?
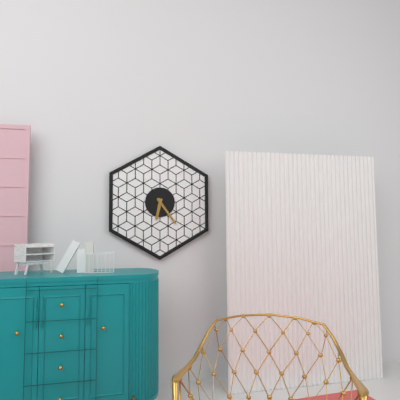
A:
h=6 m=24
